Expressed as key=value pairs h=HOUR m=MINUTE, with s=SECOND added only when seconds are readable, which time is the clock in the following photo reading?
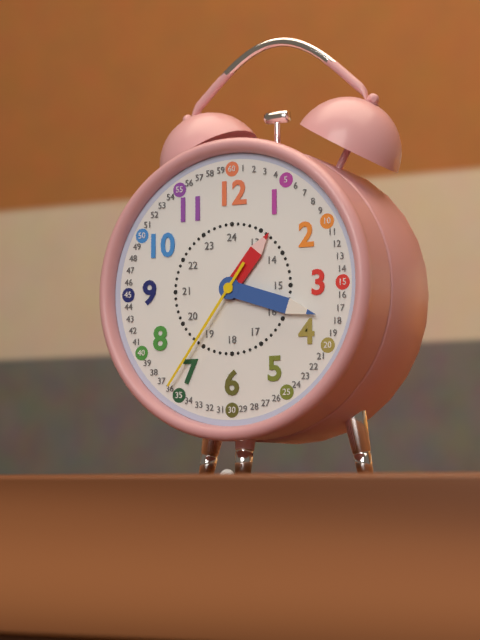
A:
h=1 m=18 s=36
